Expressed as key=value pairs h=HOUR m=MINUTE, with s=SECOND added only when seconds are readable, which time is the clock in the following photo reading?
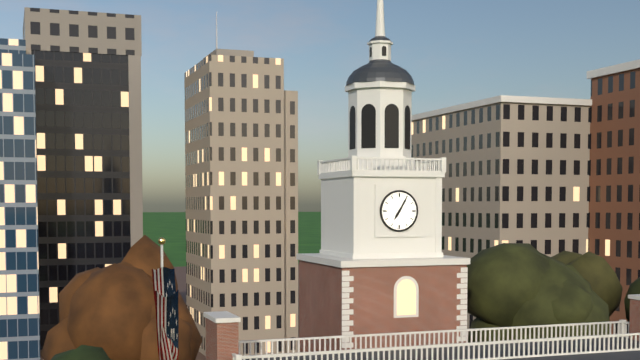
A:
h=7 m=5
